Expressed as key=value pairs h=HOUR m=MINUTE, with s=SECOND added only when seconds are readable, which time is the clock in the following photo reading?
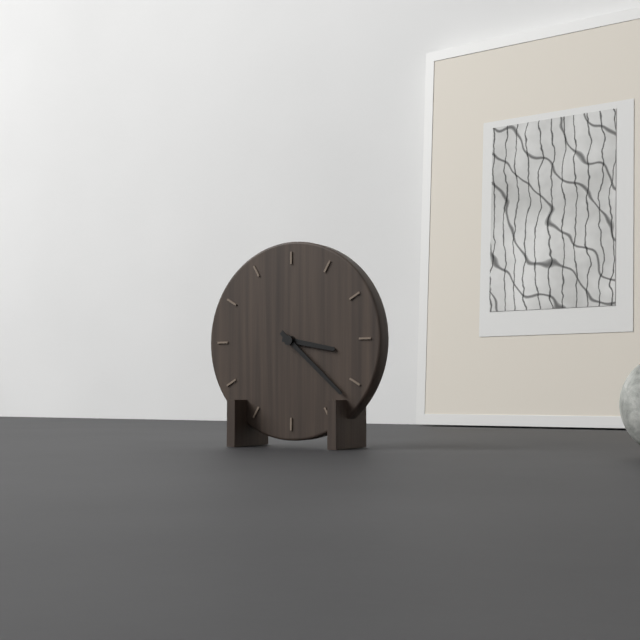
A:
h=3 m=22
